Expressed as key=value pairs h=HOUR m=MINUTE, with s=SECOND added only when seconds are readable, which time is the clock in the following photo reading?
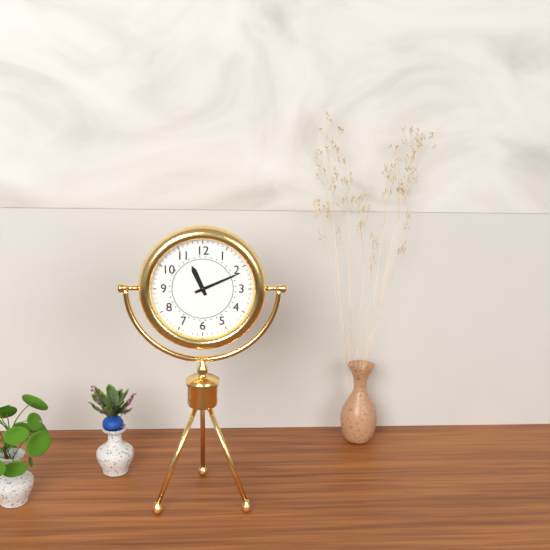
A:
h=11 m=11
